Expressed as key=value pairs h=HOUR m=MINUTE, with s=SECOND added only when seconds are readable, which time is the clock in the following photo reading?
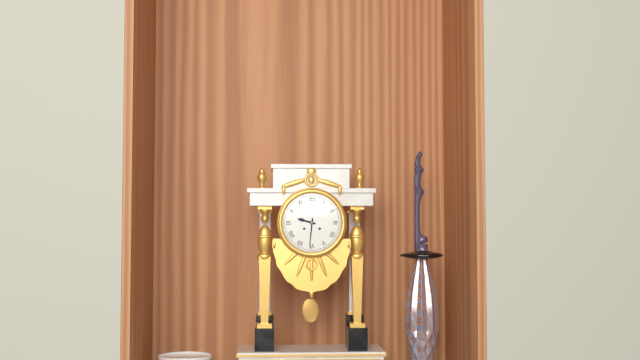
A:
h=9 m=31
